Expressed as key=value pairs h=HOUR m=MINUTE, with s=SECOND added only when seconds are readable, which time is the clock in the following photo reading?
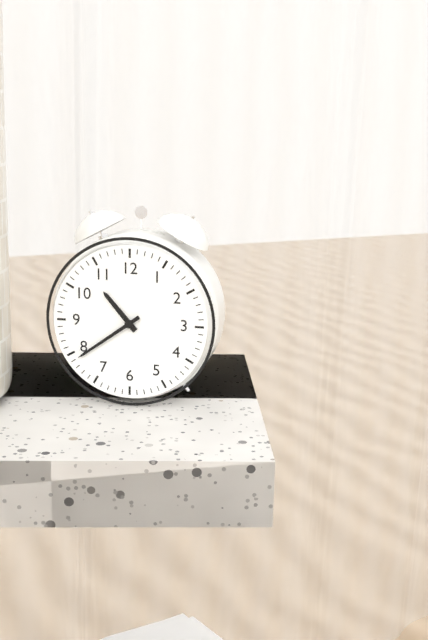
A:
h=10 m=39
